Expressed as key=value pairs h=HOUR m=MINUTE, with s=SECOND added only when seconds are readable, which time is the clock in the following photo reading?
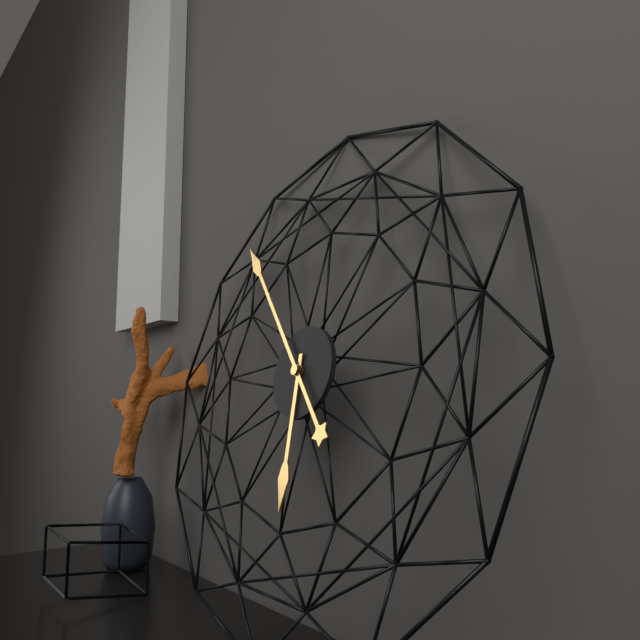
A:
h=5 m=53
